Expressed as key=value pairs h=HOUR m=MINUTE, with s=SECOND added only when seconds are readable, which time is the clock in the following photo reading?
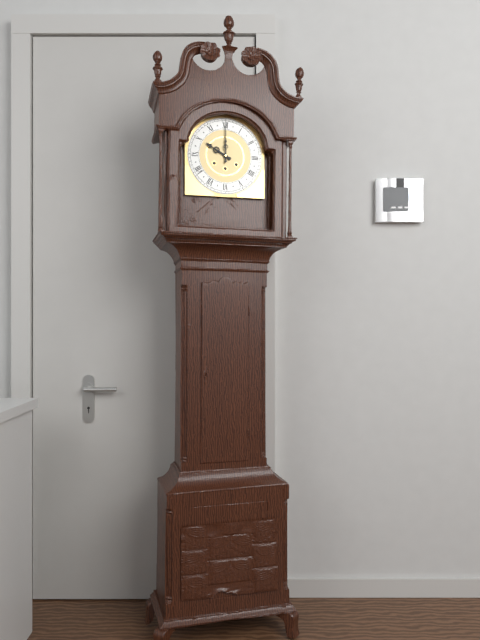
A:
h=10 m=0
